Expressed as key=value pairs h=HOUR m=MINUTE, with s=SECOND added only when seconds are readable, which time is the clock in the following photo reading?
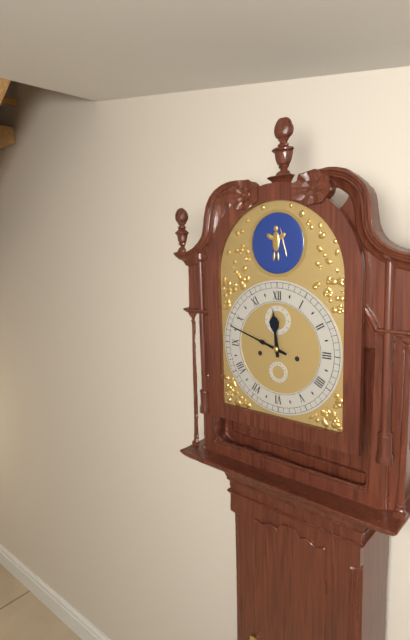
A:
h=11 m=48
